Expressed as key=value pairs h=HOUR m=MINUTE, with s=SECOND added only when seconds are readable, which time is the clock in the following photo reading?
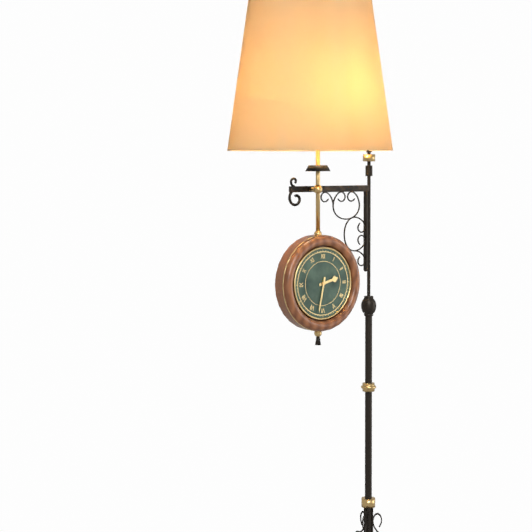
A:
h=2 m=32
